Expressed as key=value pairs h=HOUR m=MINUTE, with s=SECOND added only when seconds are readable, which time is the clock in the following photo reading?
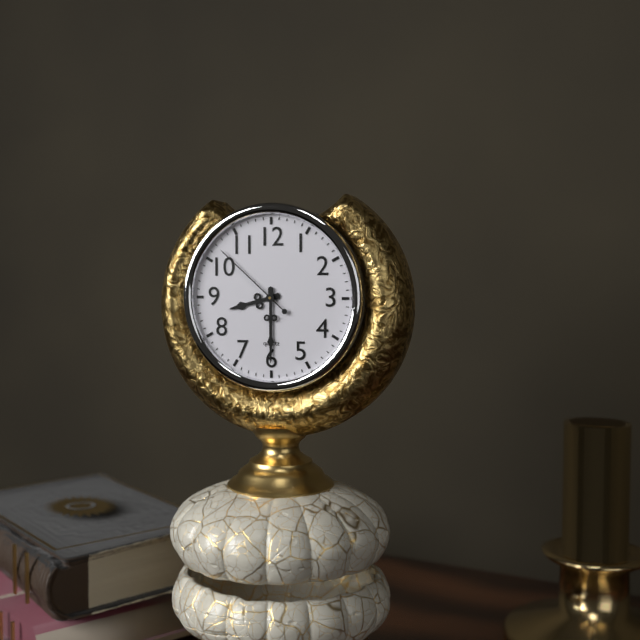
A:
h=8 m=30 s=52
